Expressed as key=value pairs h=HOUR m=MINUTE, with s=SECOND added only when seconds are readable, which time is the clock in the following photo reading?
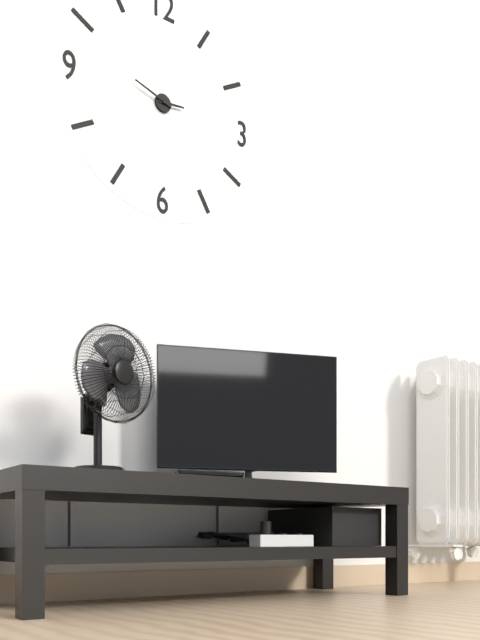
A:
h=2 m=48
